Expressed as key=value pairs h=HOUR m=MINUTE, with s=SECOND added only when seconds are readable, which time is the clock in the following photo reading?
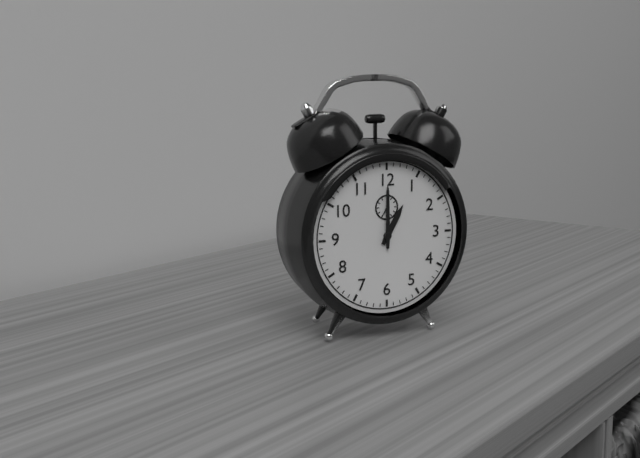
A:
h=1 m=0
